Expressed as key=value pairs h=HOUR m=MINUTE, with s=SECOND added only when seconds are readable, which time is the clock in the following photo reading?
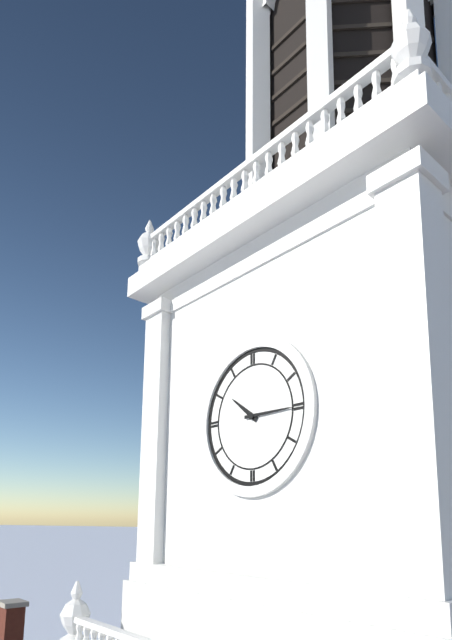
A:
h=10 m=15
